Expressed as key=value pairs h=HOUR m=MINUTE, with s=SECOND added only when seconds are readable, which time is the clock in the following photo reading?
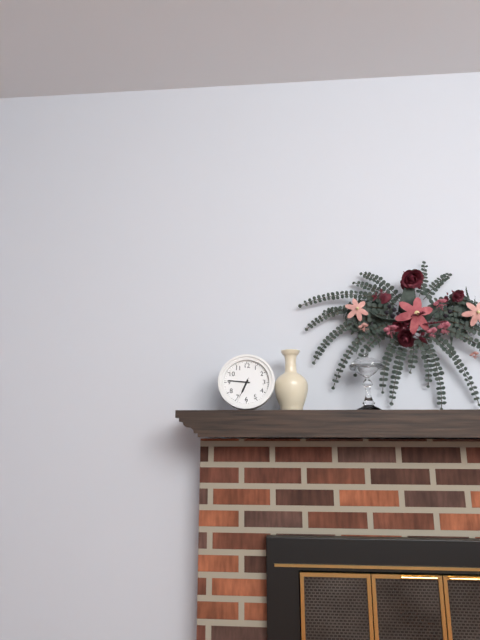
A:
h=6 m=46
